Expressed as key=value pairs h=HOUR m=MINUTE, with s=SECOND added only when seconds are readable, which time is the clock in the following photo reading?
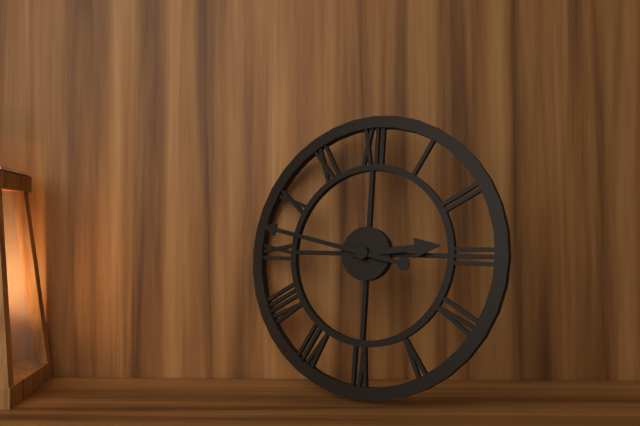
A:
h=2 m=47
